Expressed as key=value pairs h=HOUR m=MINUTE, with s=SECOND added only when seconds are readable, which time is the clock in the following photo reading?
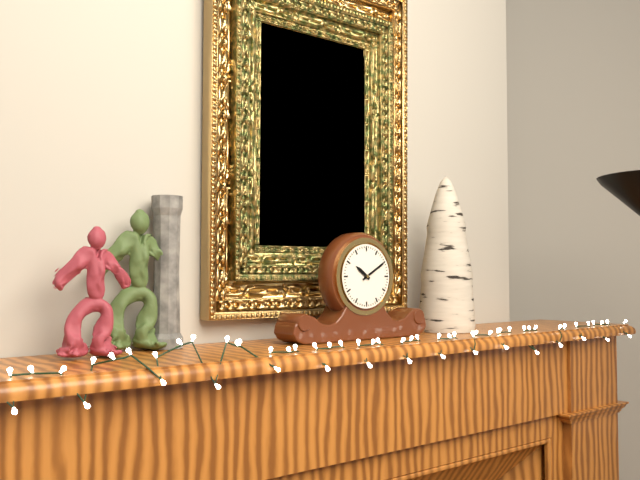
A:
h=10 m=10
